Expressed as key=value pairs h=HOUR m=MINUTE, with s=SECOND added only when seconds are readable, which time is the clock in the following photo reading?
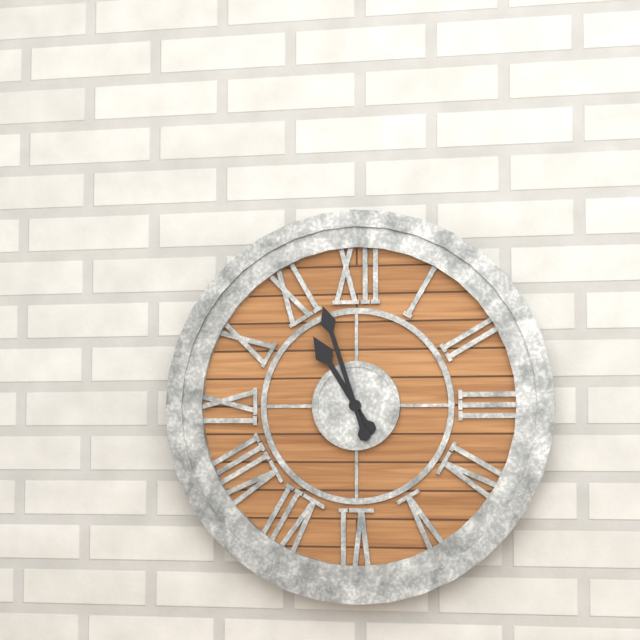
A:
h=10 m=57
